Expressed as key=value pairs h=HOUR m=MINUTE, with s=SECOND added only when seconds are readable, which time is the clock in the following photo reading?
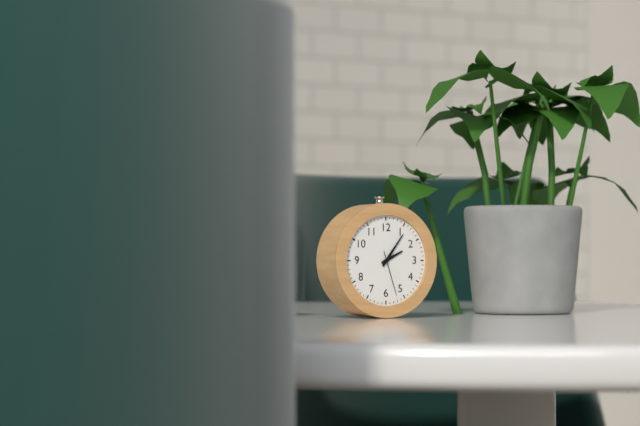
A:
h=2 m=6
